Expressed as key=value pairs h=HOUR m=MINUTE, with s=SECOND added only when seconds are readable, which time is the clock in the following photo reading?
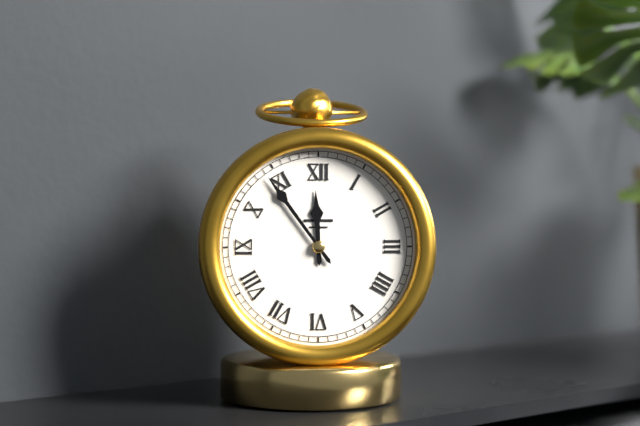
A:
h=11 m=54
